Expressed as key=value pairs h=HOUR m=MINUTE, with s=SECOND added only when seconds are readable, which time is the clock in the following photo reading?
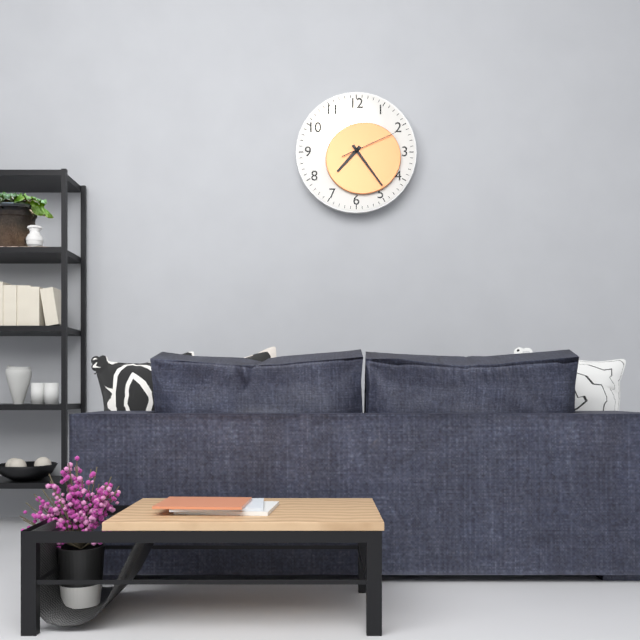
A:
h=7 m=24 s=11
